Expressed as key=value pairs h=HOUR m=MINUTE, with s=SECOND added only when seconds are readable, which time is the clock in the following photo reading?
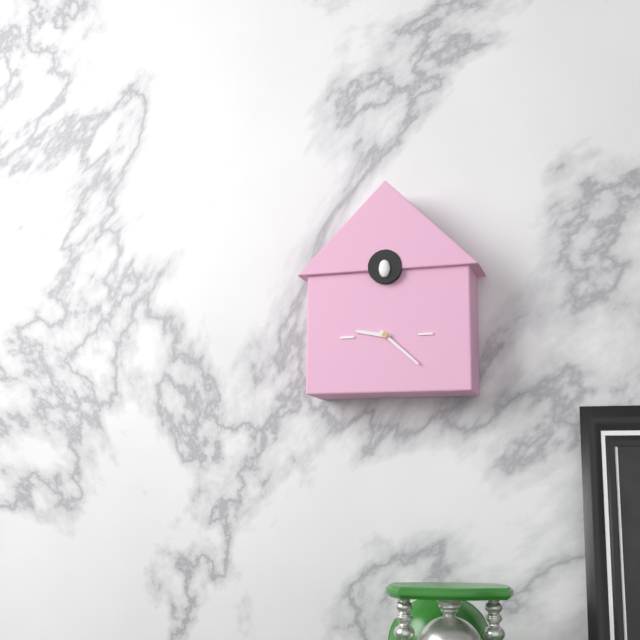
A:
h=9 m=22
